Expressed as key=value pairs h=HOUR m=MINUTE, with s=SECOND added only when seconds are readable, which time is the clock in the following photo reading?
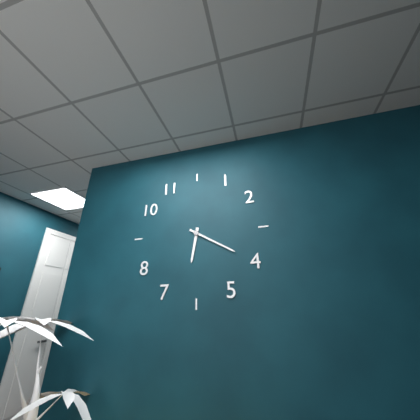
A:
h=6 m=20
